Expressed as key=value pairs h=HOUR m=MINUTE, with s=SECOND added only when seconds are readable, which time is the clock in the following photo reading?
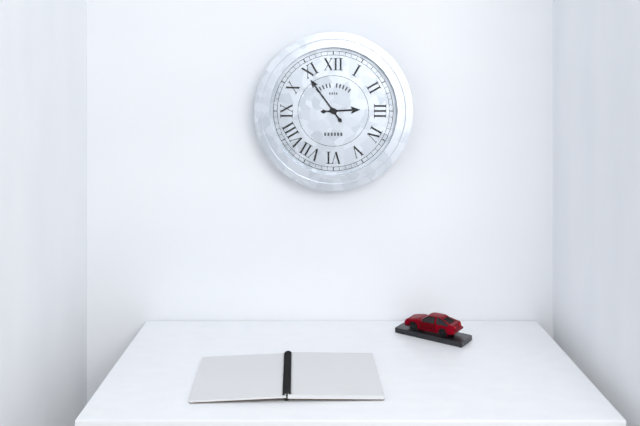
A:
h=2 m=54
